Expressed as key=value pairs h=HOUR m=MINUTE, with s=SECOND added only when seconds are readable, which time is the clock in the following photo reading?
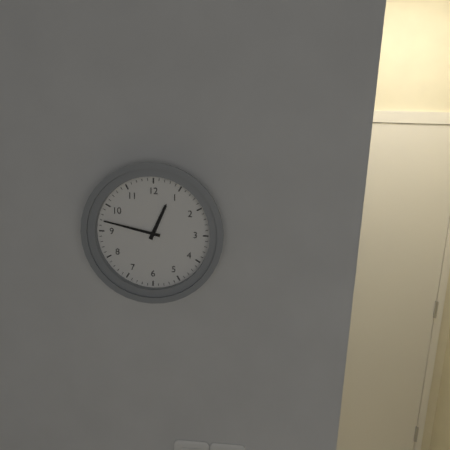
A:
h=12 m=47
